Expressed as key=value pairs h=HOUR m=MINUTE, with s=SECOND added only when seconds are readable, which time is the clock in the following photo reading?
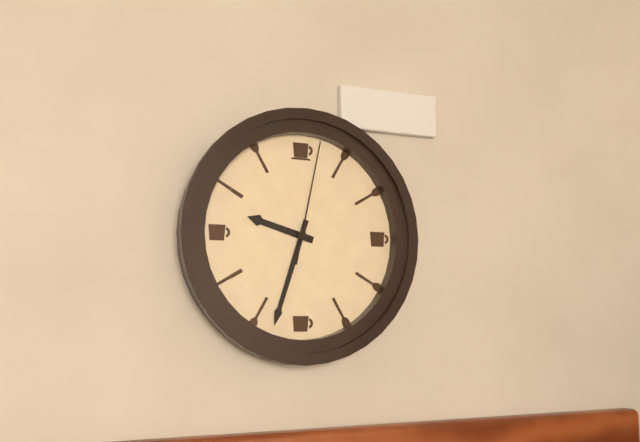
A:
h=9 m=33 s=2
